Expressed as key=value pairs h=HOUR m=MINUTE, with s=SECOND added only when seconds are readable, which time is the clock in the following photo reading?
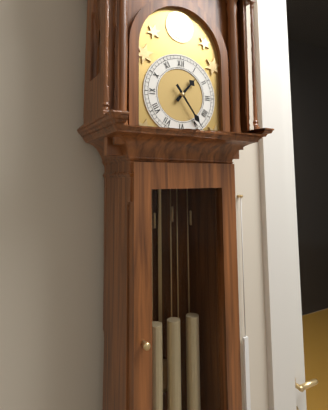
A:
h=1 m=24
